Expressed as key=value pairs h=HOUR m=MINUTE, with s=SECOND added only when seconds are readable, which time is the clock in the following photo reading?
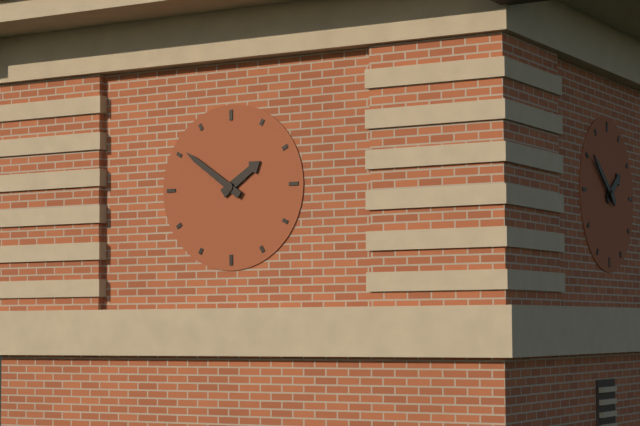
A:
h=1 m=51
